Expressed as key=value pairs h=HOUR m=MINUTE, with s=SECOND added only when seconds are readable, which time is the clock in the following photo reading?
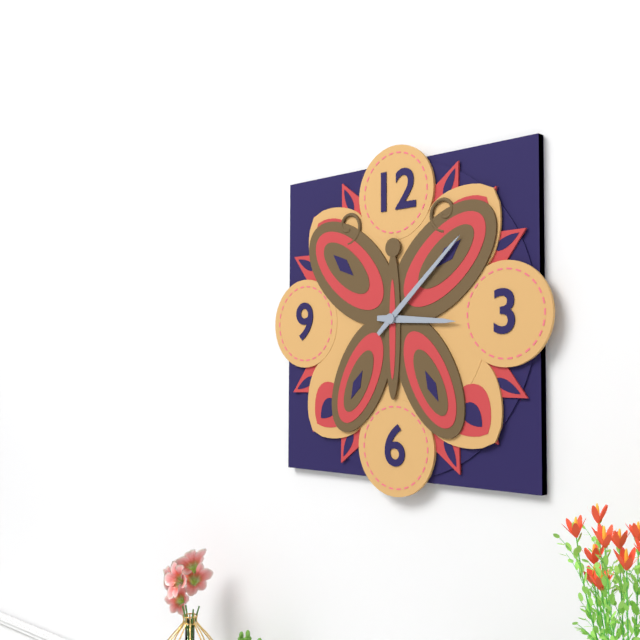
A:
h=3 m=8
